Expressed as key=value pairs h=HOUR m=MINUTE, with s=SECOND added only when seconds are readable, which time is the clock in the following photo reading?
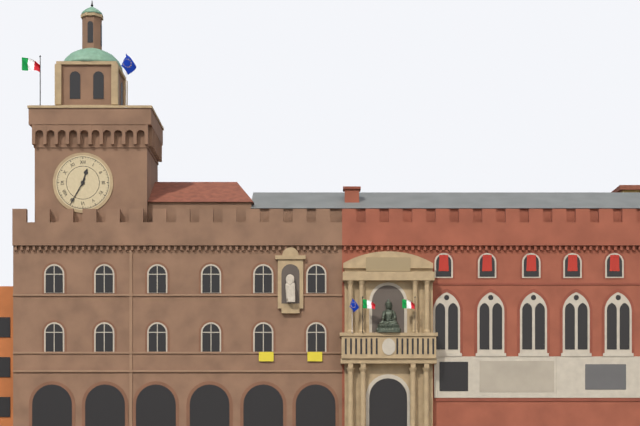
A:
h=12 m=35
